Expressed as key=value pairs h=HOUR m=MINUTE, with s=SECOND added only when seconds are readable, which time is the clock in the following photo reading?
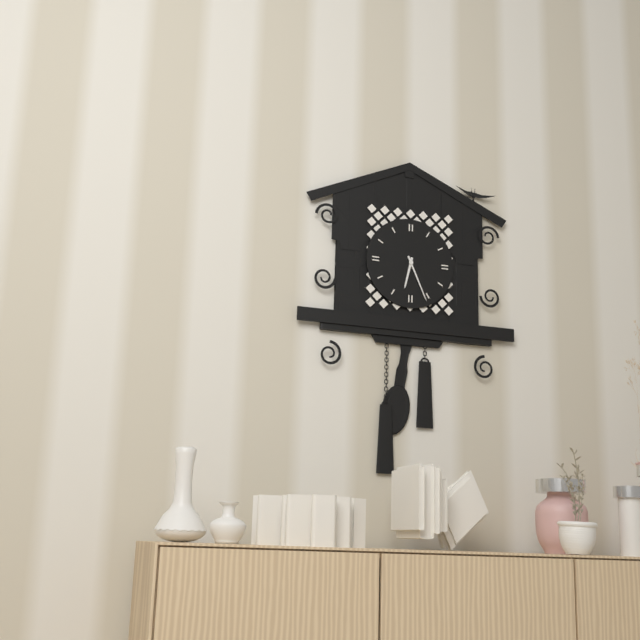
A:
h=6 m=26
